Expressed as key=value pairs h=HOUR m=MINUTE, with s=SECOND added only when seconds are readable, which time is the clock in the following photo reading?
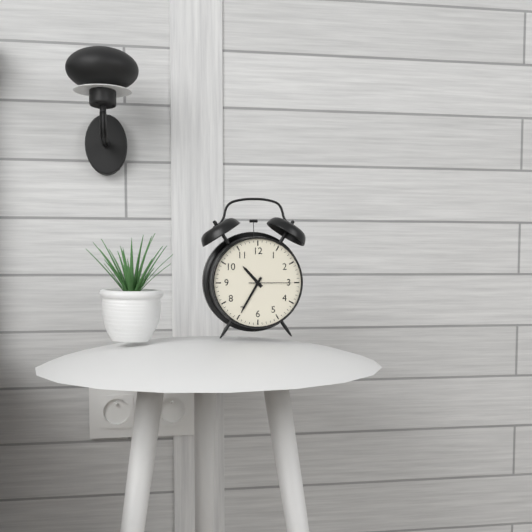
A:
h=10 m=35
